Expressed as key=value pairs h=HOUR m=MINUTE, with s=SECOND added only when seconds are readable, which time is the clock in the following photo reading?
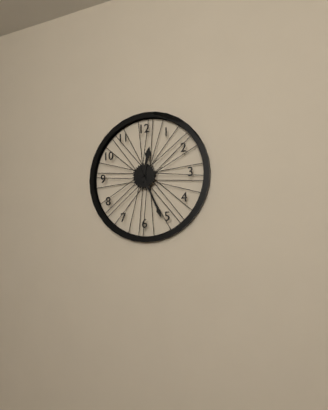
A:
h=12 m=26
